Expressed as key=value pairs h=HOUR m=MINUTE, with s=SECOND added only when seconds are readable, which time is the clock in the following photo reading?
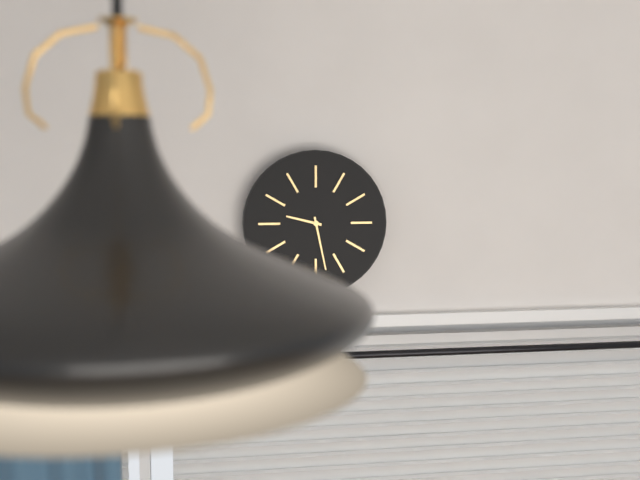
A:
h=9 m=28
